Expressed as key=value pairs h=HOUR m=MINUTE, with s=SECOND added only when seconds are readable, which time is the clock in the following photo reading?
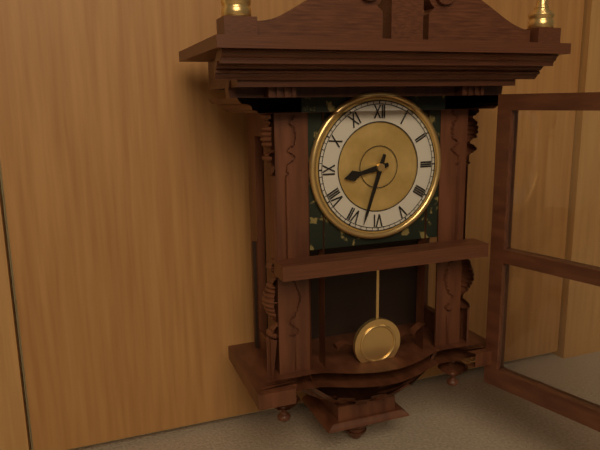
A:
h=8 m=33
